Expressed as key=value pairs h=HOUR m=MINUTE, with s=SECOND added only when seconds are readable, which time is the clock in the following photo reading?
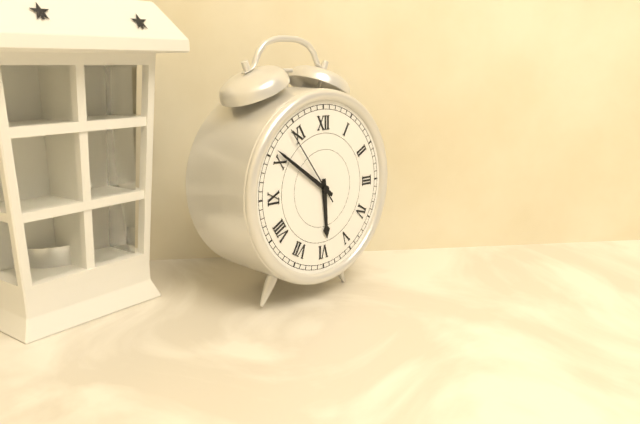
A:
h=5 m=51 s=54
